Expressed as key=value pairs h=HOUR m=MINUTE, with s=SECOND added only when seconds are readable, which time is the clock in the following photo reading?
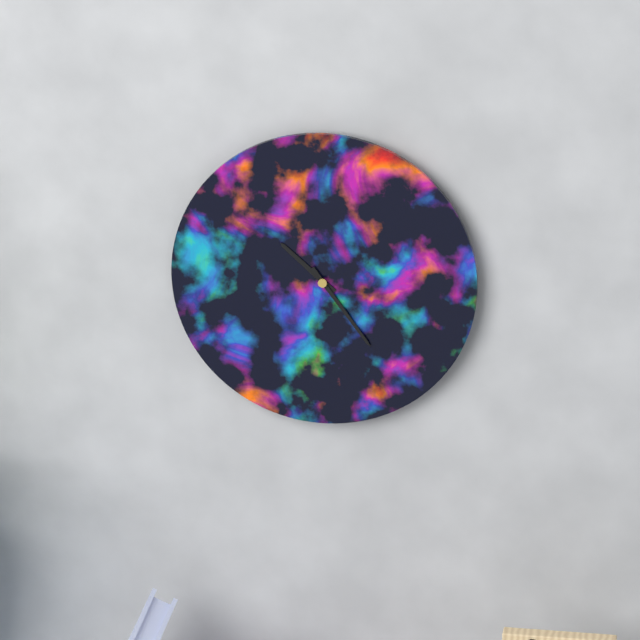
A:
h=10 m=24
